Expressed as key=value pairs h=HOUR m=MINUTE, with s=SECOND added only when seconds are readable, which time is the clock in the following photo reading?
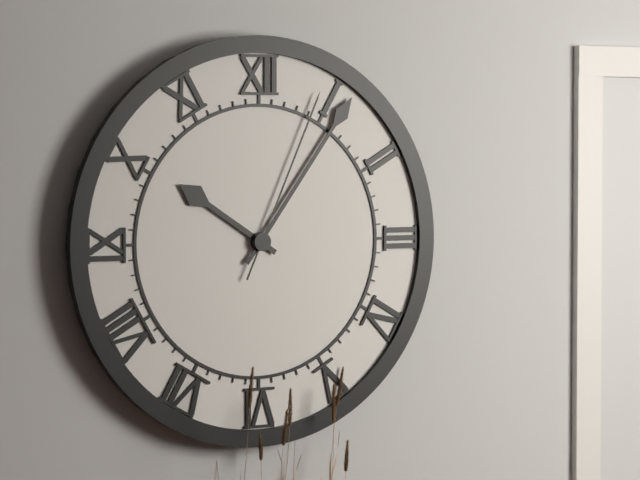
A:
h=10 m=6 s=4
